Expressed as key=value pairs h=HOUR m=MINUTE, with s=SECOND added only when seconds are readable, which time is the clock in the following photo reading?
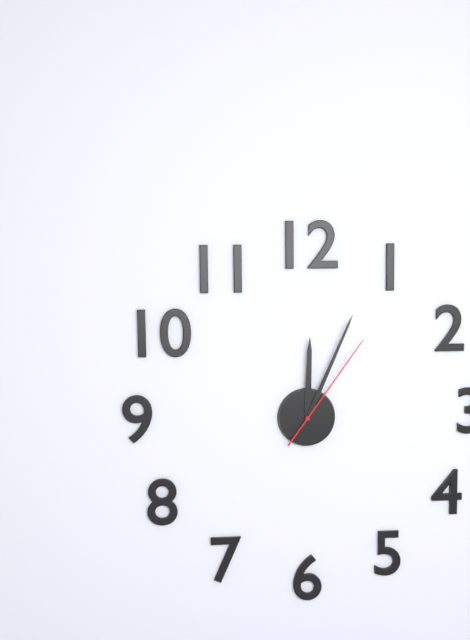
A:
h=12 m=4 s=6
